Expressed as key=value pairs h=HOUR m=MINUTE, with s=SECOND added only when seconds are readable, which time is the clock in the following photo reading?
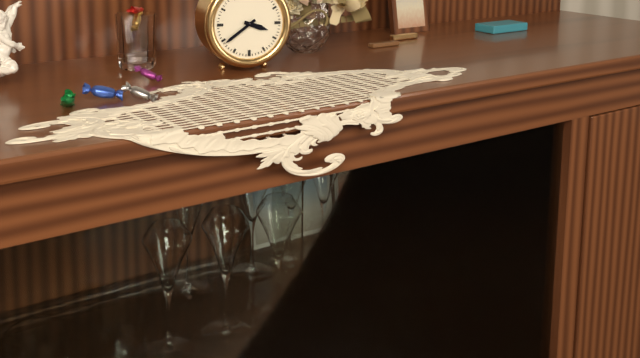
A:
h=3 m=39
